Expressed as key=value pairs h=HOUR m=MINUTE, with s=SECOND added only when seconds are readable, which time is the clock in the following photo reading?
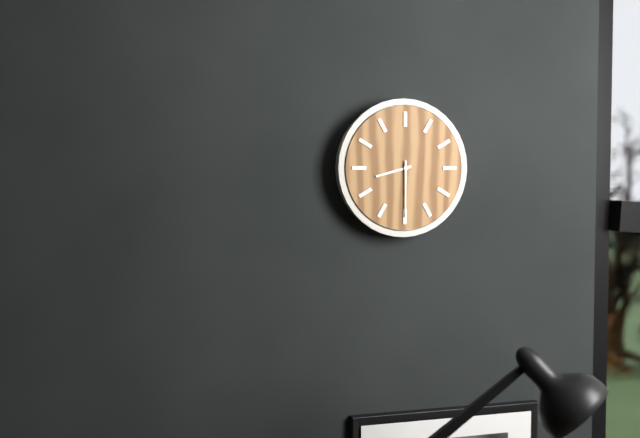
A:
h=8 m=30
